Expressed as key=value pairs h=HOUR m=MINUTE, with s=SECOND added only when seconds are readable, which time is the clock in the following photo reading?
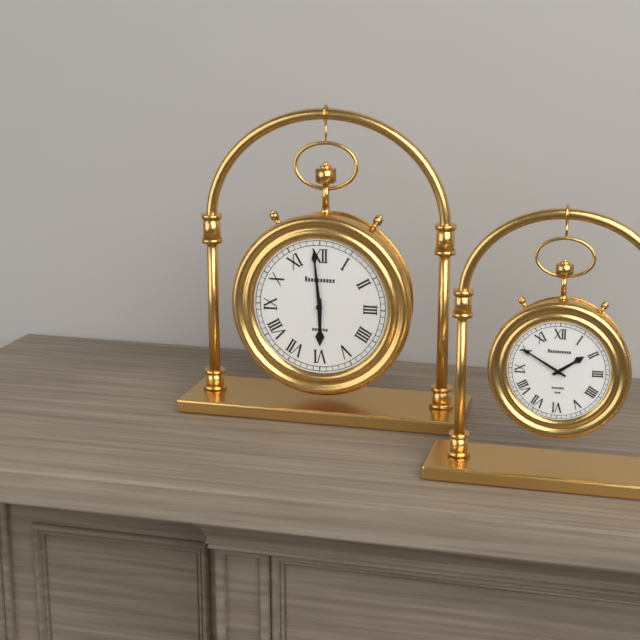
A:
h=5 m=59
